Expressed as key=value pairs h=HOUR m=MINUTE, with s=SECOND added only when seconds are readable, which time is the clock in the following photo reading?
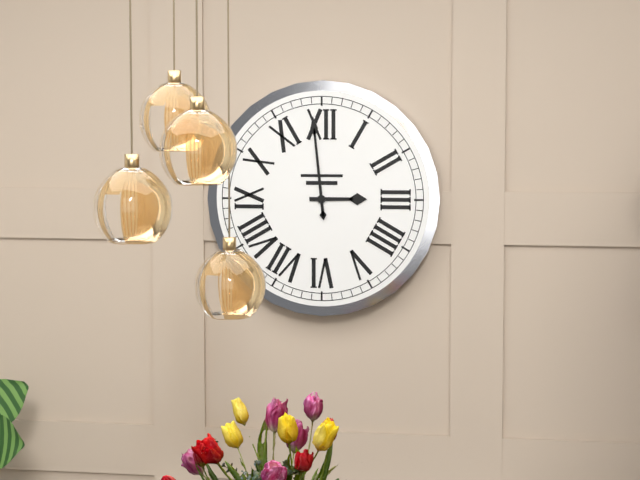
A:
h=2 m=59
